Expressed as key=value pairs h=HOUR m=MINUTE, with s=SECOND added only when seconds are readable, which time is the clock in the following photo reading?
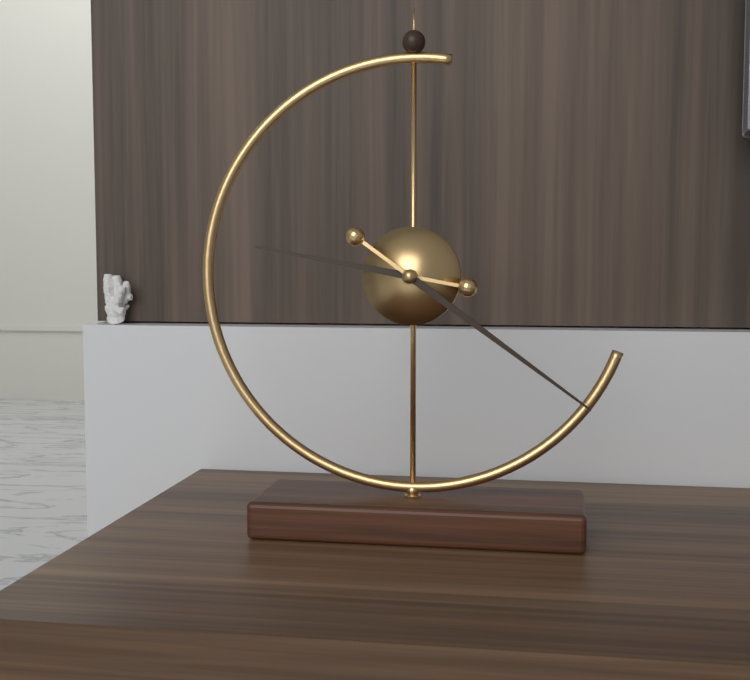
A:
h=9 m=21
